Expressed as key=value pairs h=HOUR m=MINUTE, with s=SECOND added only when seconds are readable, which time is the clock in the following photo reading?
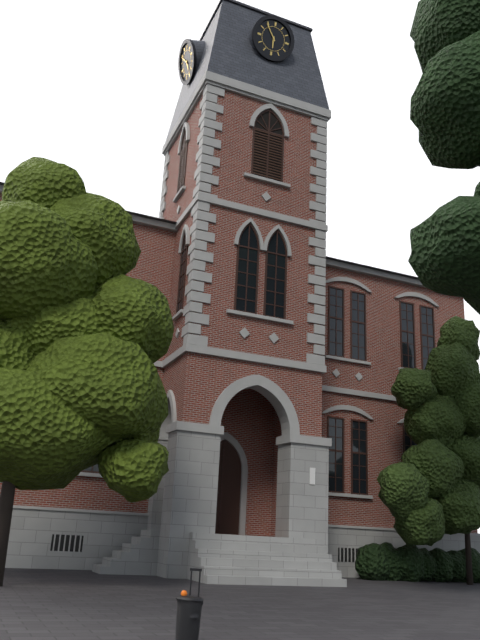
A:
h=5 m=54
